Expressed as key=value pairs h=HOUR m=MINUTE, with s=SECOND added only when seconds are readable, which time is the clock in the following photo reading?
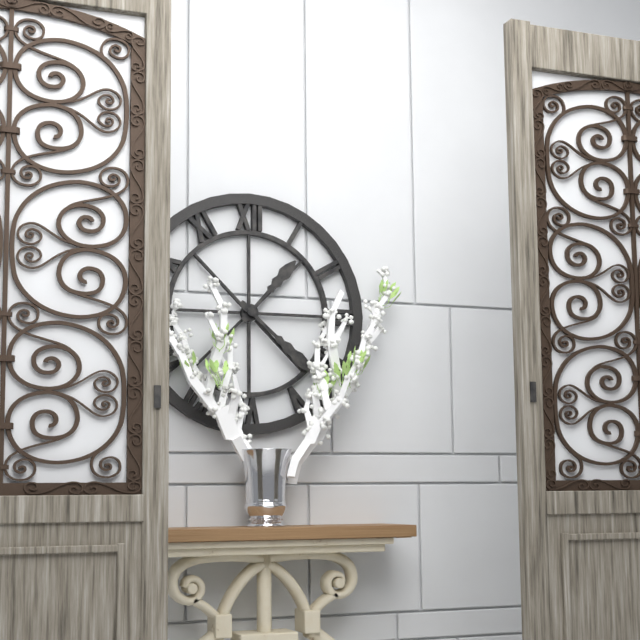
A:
h=1 m=22
